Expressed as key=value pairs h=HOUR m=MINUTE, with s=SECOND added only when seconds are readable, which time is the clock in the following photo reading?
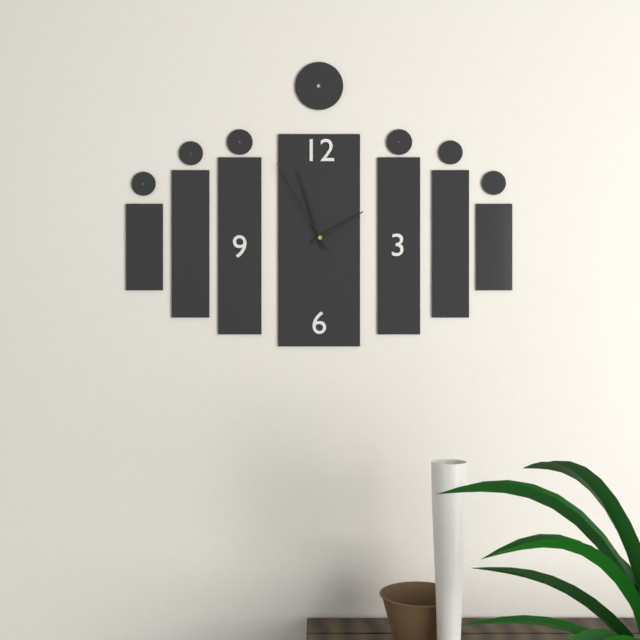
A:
h=1 m=57 s=55
